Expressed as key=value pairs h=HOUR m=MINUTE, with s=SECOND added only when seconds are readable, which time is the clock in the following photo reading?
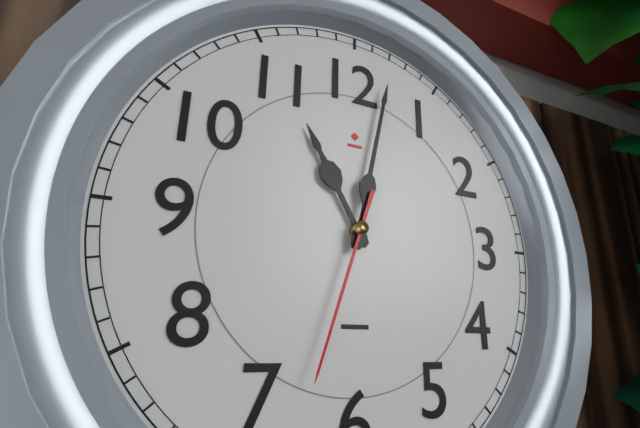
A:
h=11 m=2 s=33
